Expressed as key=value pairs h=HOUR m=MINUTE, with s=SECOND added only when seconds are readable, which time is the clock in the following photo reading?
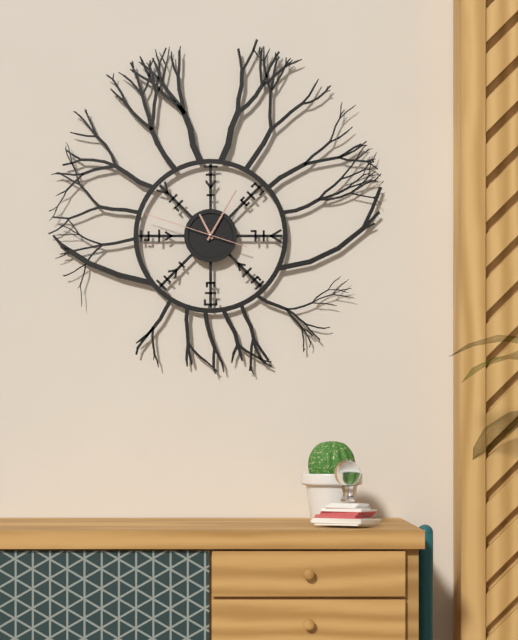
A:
h=11 m=5 s=48
